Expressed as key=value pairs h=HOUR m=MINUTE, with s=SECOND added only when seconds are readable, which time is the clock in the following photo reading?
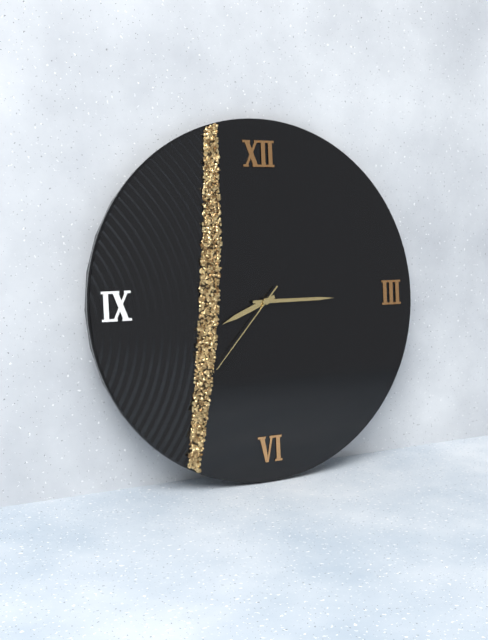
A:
h=8 m=15 s=37
